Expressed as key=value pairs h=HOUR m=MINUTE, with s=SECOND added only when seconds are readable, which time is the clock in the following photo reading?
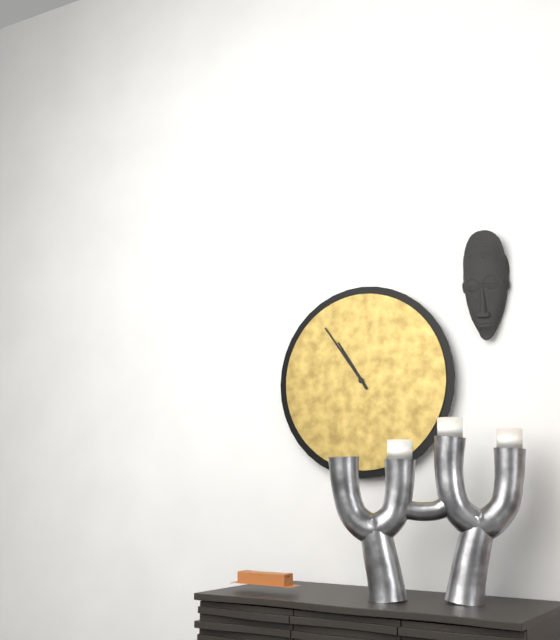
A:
h=10 m=54
